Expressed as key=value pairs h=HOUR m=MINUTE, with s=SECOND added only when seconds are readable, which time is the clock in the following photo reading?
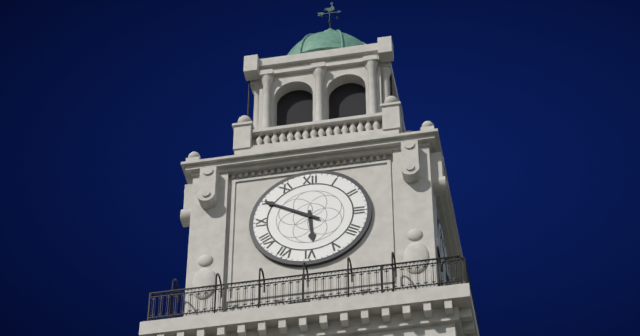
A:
h=5 m=50
